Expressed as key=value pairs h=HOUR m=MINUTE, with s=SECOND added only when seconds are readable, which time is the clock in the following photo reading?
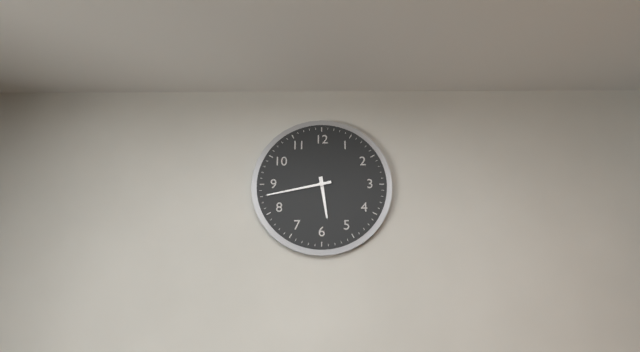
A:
h=5 m=43
